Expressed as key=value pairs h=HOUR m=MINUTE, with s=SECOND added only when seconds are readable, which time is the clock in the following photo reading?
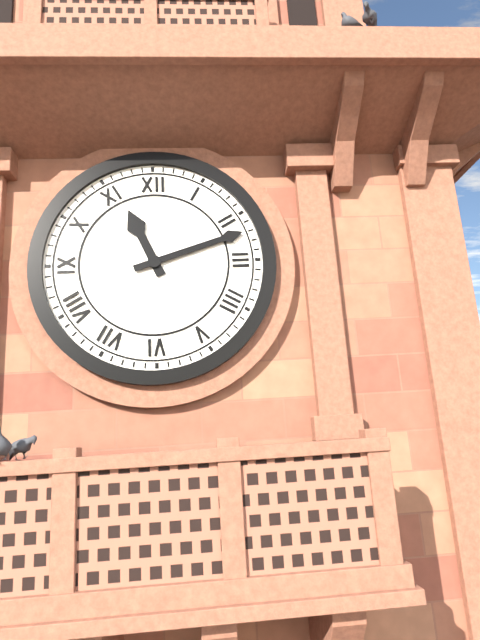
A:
h=11 m=12
